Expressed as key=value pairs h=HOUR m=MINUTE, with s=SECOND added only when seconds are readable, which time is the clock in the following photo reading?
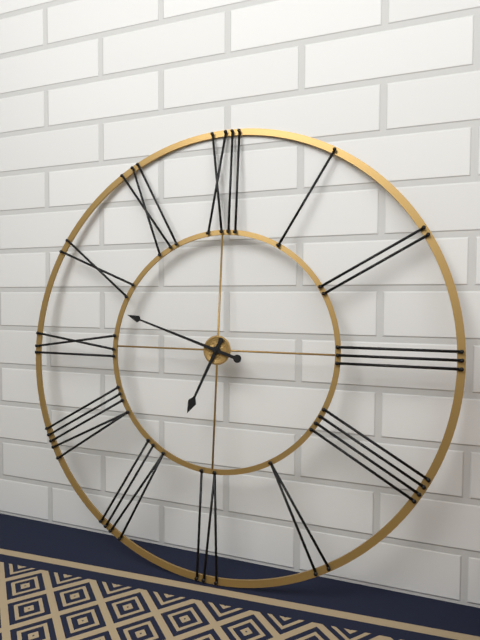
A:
h=6 m=48
